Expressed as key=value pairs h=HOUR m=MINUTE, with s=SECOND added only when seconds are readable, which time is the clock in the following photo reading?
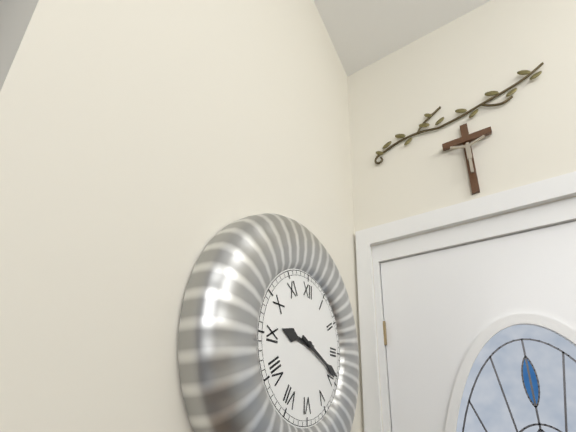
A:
h=9 m=19
